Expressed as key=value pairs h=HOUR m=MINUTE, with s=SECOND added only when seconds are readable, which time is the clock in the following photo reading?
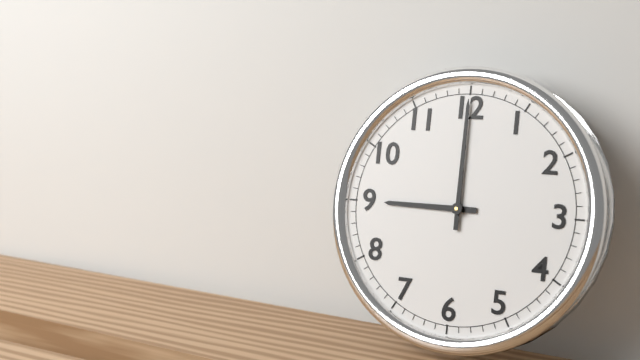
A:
h=9 m=0
